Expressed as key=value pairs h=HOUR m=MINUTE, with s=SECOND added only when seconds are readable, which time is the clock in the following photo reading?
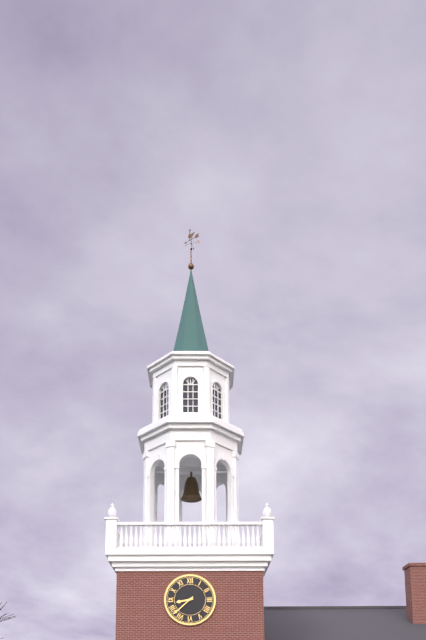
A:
h=8 m=38
